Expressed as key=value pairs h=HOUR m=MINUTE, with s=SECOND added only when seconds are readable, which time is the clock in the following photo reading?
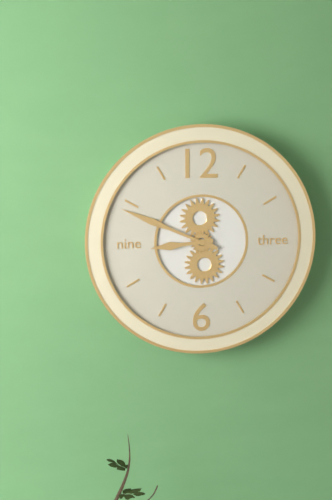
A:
h=8 m=49
